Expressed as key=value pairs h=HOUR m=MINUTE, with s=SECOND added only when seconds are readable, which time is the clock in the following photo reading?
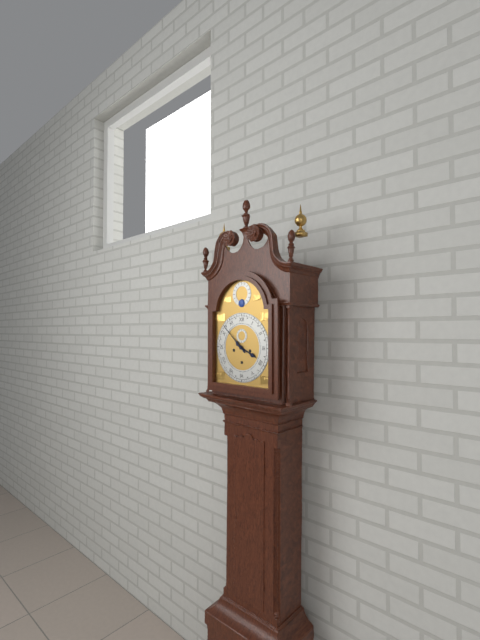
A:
h=3 m=52
